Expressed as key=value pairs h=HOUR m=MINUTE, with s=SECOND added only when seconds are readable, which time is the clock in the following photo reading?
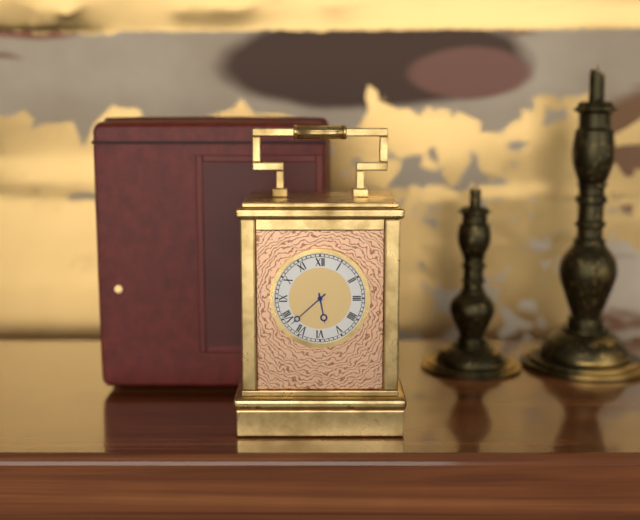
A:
h=5 m=38
